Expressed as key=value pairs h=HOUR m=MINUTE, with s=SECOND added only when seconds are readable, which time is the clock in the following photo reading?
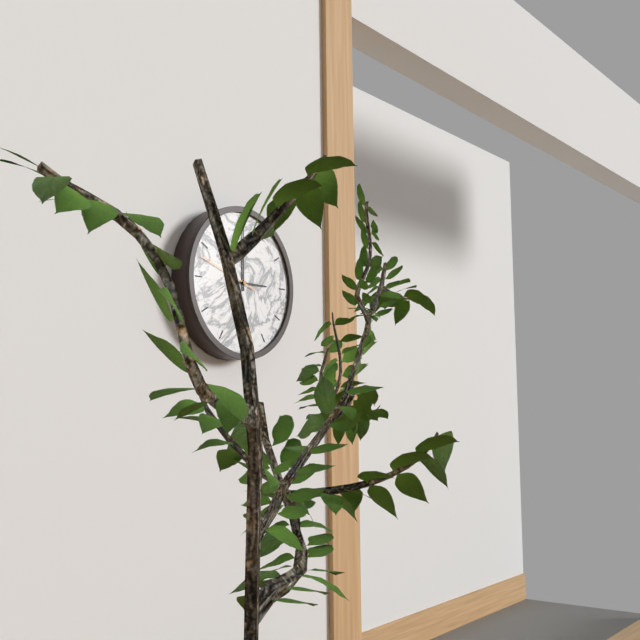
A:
h=3 m=0 s=48
